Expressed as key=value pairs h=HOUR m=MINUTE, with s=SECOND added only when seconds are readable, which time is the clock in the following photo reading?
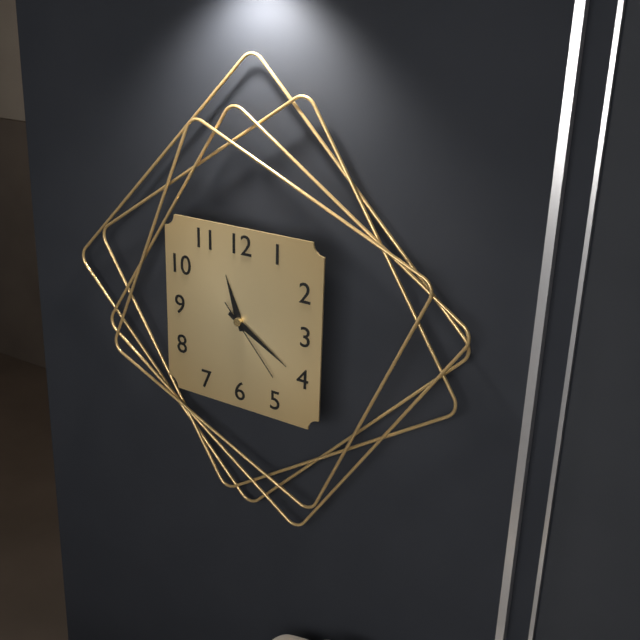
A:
h=11 m=20 s=23
